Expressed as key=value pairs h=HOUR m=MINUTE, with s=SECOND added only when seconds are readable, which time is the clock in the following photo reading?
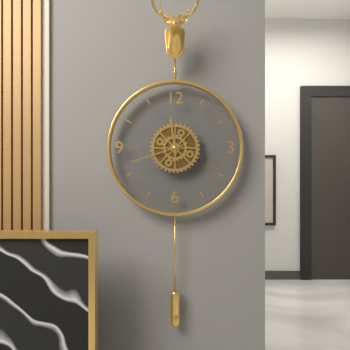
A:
h=11 m=42
